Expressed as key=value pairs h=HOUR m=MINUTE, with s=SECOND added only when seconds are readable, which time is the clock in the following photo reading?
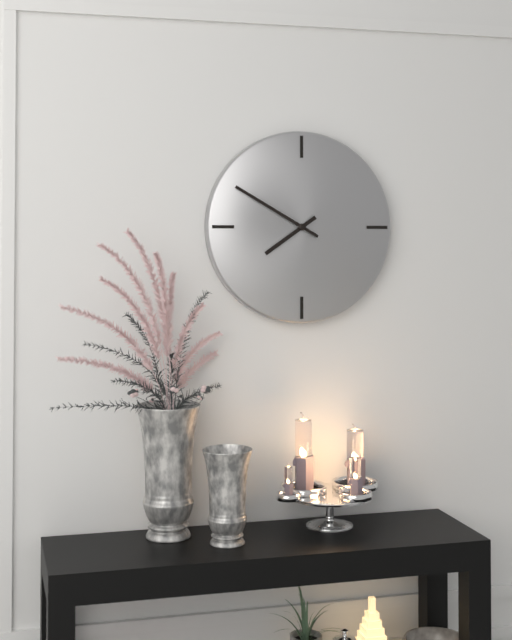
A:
h=7 m=50
